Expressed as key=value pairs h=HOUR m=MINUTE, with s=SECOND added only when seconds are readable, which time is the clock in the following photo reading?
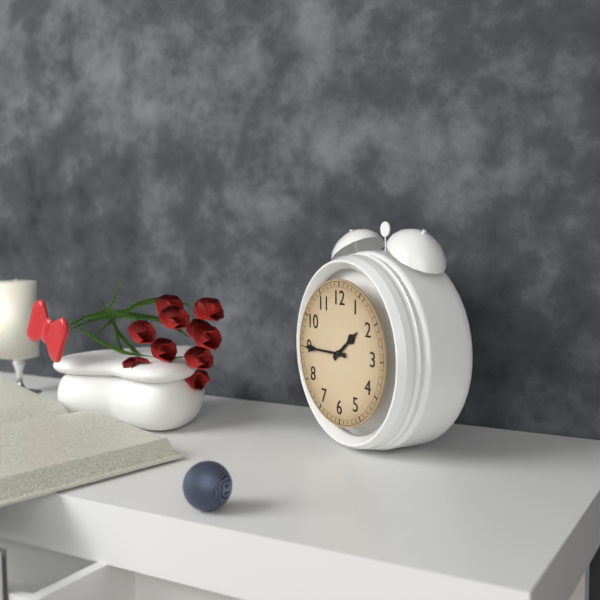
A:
h=1 m=45
